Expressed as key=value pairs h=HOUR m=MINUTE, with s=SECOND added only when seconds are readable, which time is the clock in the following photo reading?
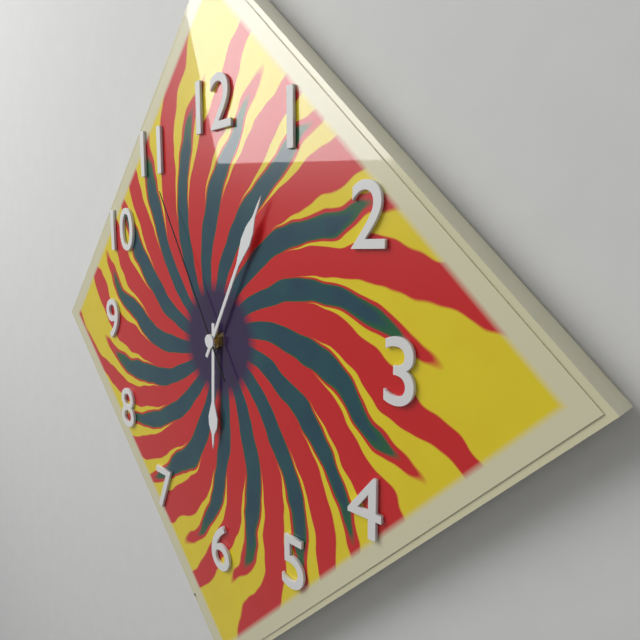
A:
h=6 m=5 s=55
